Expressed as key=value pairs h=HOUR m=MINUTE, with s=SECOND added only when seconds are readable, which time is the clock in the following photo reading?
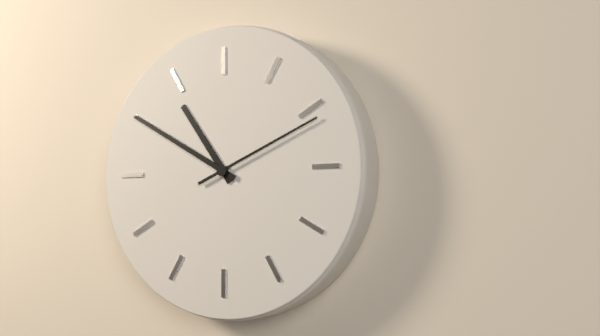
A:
h=10 m=50 s=11
